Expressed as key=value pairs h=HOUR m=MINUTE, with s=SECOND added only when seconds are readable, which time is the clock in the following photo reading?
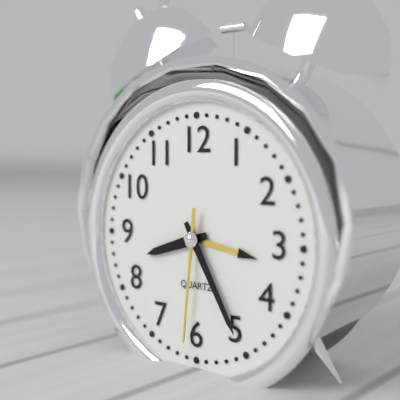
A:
h=8 m=25 s=31
